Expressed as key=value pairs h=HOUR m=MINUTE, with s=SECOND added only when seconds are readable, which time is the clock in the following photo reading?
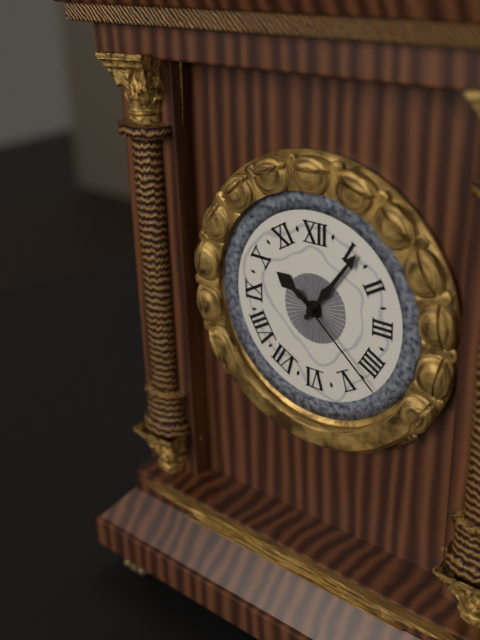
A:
h=10 m=6 s=22
